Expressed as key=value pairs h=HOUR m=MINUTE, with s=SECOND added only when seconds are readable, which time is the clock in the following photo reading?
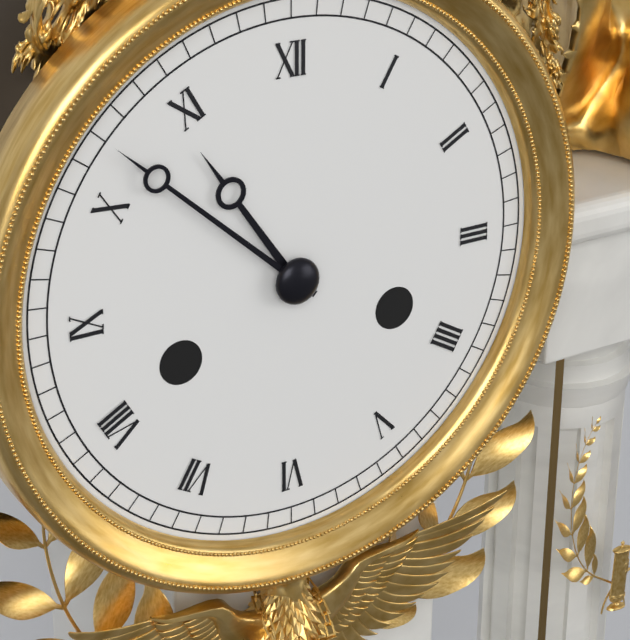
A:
h=10 m=52
